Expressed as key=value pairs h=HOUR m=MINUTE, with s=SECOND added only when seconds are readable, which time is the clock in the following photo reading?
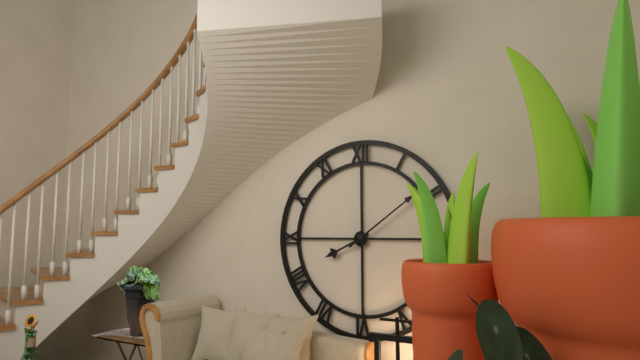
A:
h=8 m=9
